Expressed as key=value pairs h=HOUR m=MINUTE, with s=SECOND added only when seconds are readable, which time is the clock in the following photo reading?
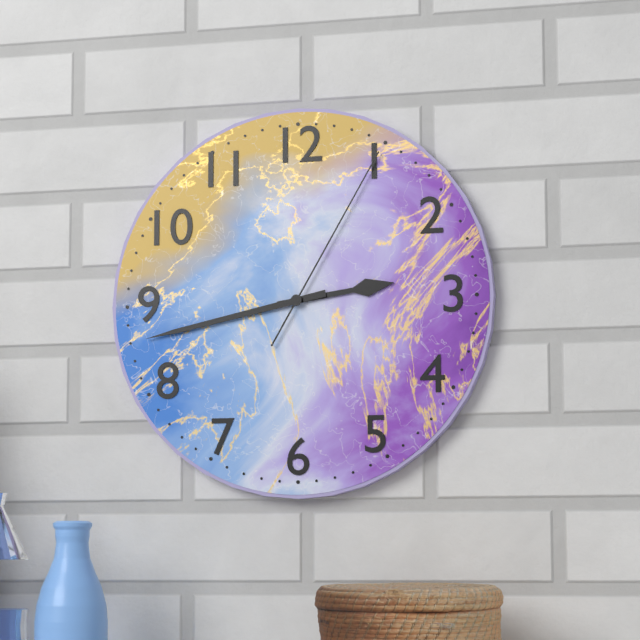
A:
h=2 m=43 s=5
